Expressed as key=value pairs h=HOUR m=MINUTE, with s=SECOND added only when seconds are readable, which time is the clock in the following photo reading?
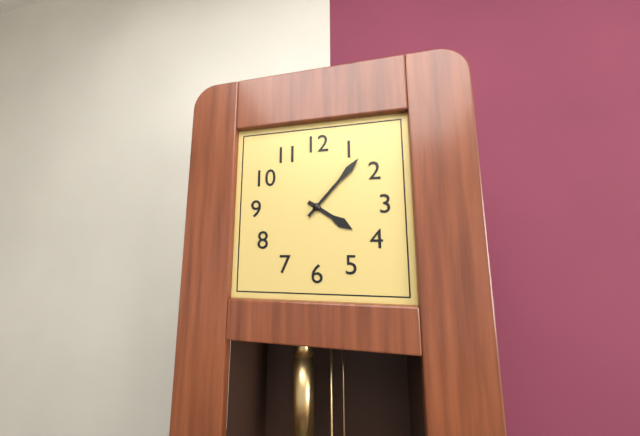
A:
h=4 m=7
